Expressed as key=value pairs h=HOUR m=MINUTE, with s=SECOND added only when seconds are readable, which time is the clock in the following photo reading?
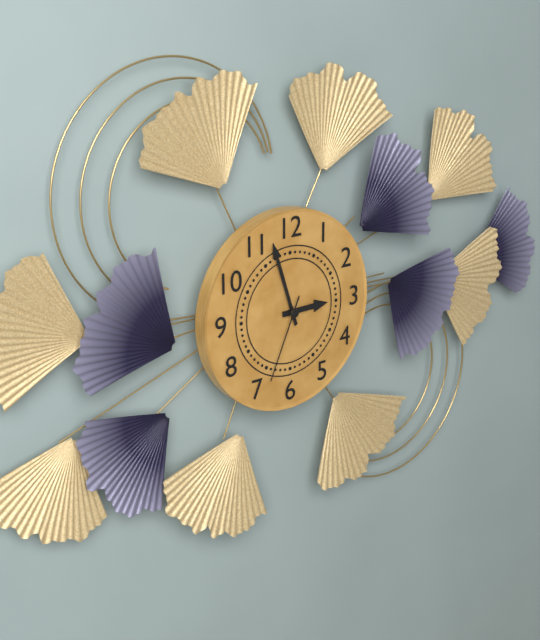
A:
h=2 m=57 s=34
